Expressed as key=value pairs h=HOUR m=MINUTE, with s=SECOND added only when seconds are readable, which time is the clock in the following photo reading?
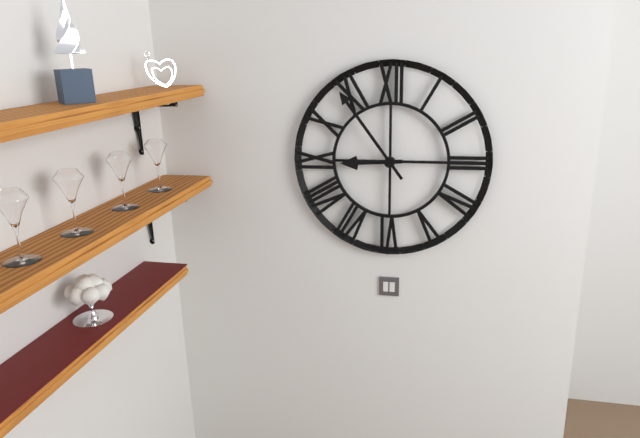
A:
h=8 m=54
